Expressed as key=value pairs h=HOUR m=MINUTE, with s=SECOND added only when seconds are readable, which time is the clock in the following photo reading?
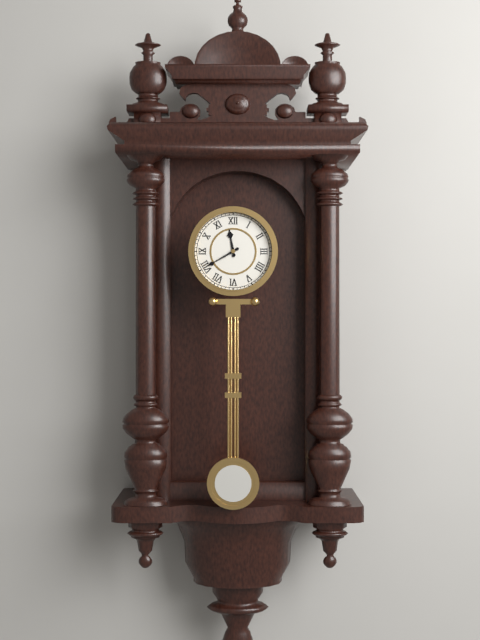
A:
h=11 m=40
